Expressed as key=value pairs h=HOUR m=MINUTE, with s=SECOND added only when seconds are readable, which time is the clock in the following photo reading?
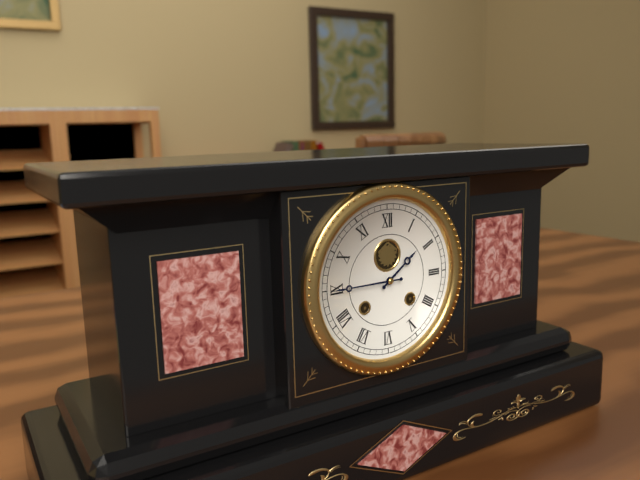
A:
h=1 m=45
